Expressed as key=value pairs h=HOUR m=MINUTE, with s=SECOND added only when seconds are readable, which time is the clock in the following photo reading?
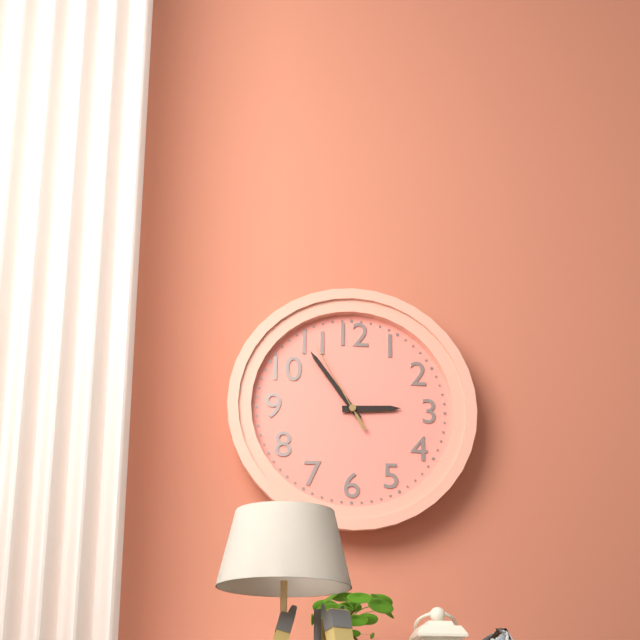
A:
h=2 m=54 s=55
